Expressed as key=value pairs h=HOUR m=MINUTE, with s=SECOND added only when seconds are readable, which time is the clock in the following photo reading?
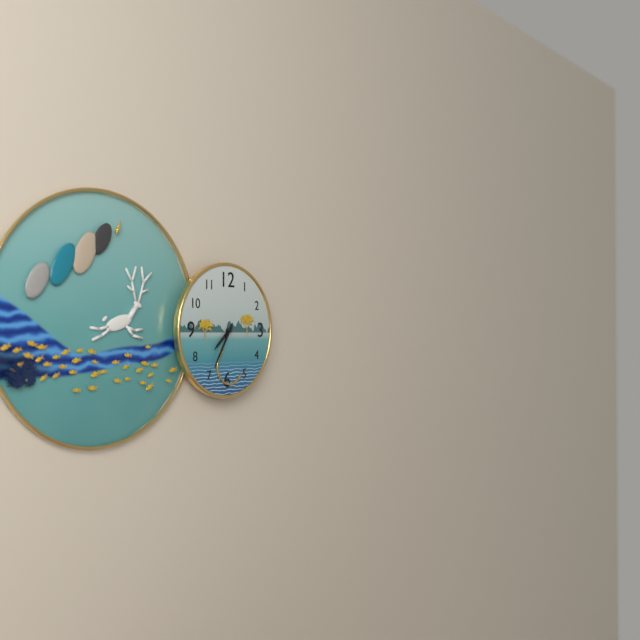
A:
h=7 m=35
